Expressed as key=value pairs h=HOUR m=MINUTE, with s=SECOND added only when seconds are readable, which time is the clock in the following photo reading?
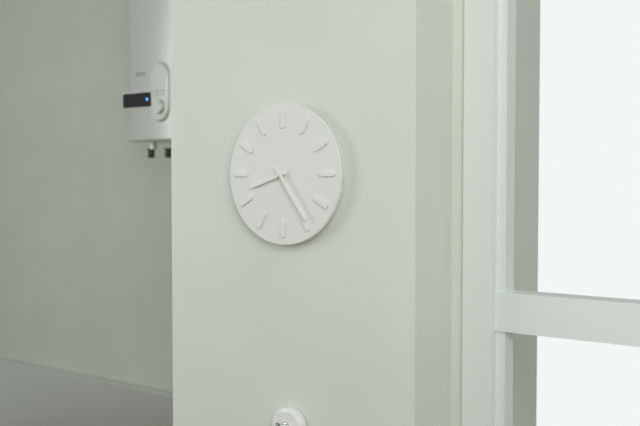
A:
h=8 m=24
